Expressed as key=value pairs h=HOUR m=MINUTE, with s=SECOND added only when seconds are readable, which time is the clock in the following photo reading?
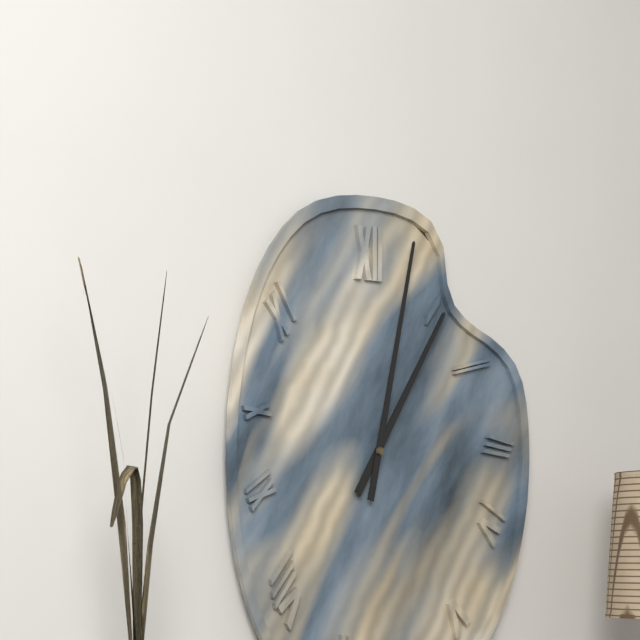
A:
h=1 m=2
